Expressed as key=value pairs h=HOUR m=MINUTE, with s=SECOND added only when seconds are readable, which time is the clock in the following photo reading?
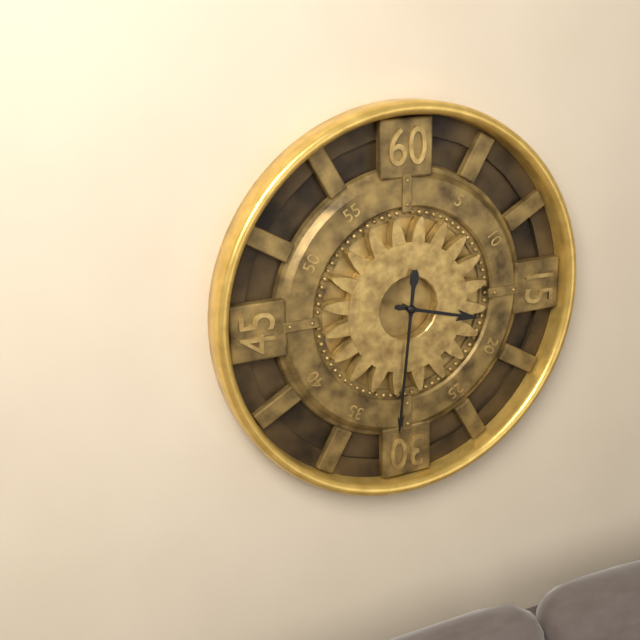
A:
h=3 m=31
